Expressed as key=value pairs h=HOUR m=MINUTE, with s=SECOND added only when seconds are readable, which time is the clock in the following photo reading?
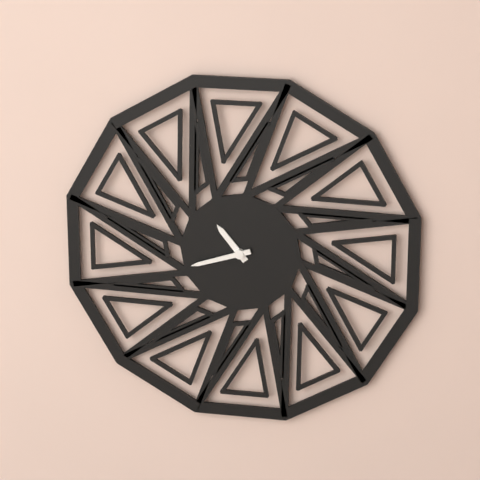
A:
h=10 m=42
